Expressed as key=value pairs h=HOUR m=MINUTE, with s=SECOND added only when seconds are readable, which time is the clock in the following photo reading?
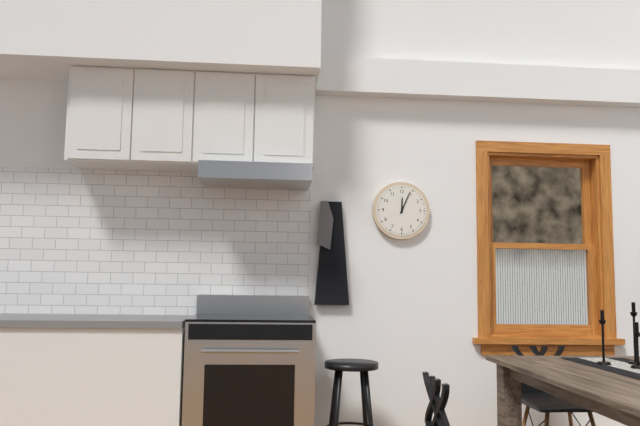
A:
h=12 m=4
